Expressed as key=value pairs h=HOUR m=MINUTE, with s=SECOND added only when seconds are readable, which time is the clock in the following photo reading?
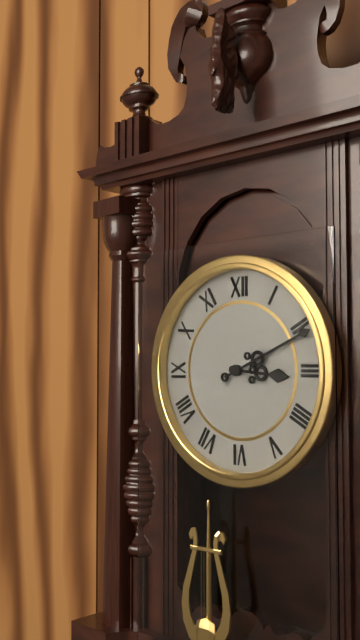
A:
h=3 m=11
